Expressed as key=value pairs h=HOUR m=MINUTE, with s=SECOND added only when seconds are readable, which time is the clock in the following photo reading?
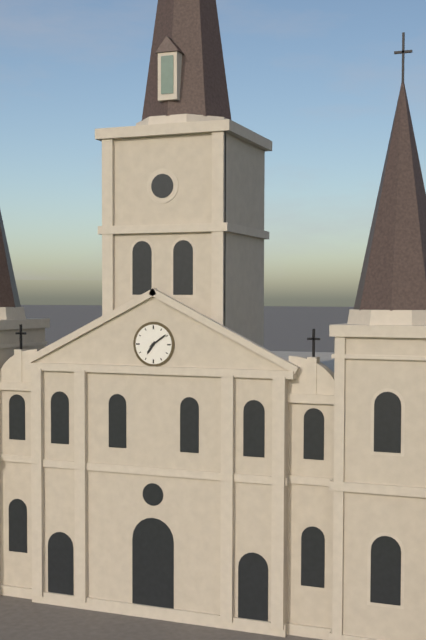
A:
h=7 m=9
